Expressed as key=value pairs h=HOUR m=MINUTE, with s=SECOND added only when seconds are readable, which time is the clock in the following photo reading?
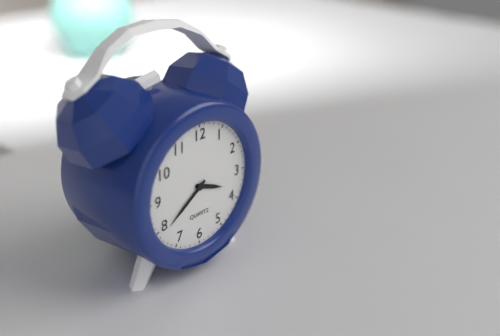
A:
h=3 m=39
